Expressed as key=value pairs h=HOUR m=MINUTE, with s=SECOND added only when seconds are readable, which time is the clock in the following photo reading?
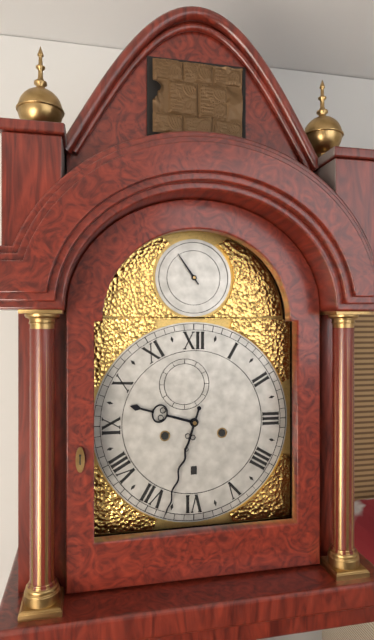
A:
h=9 m=33
